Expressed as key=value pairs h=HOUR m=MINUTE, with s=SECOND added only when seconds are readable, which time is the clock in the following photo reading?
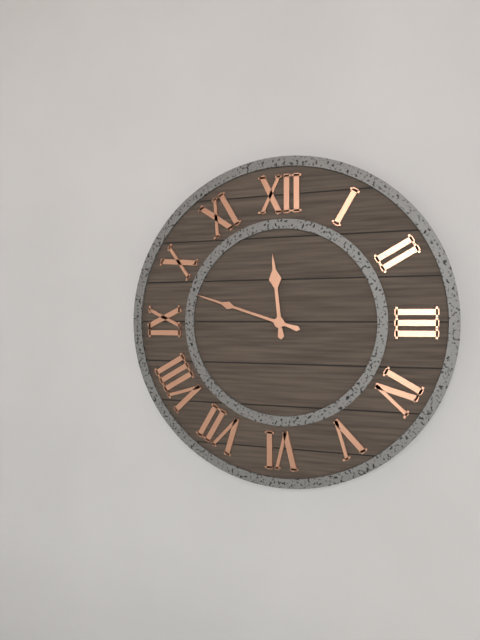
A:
h=11 m=48
